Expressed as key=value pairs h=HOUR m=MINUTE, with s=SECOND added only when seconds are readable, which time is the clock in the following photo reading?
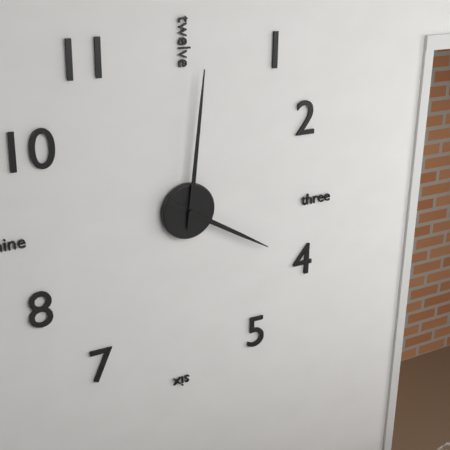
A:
h=4 m=1
